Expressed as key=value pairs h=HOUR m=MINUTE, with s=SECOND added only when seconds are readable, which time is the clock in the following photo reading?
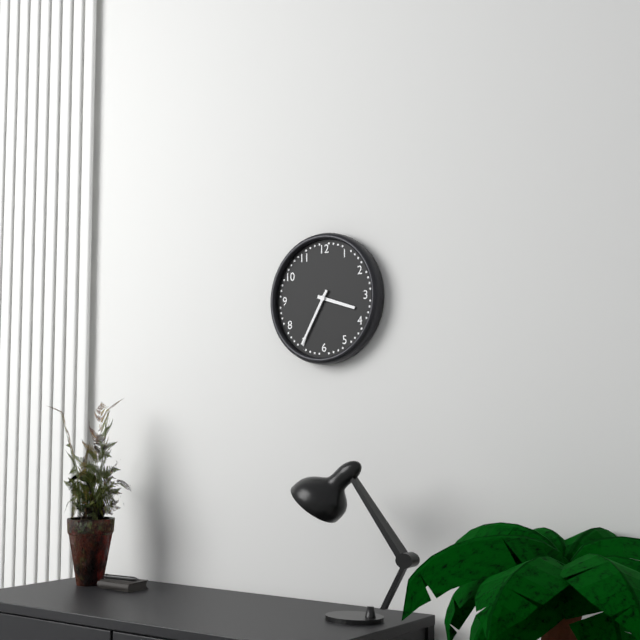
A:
h=3 m=35
